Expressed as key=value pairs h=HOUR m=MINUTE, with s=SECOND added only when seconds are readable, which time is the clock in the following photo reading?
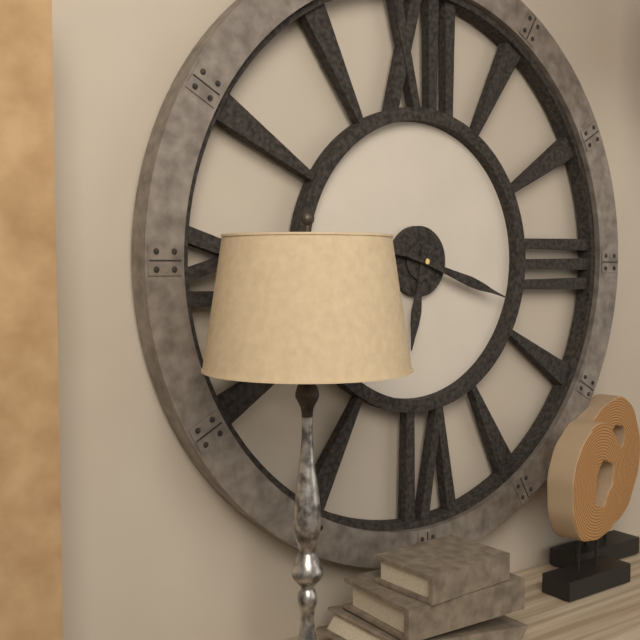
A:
h=6 m=18
